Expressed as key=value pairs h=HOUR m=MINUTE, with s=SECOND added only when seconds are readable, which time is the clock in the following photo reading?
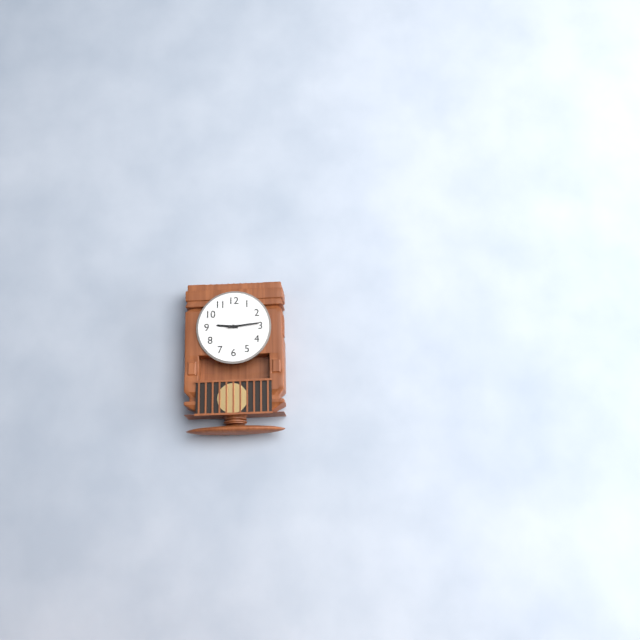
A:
h=9 m=14
